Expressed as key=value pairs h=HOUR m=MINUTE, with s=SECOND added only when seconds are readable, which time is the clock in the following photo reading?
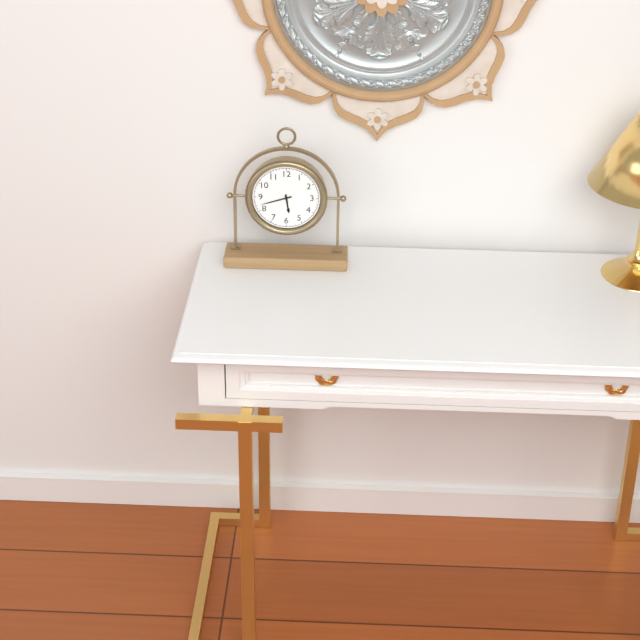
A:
h=5 m=42
